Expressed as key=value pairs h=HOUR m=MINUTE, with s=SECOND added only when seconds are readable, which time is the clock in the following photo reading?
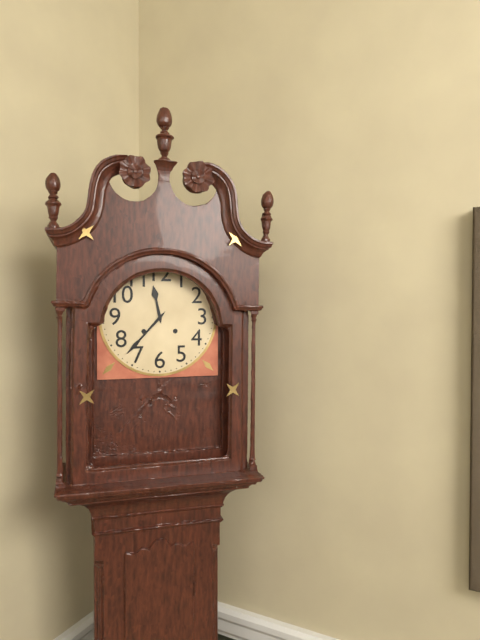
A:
h=11 m=37
